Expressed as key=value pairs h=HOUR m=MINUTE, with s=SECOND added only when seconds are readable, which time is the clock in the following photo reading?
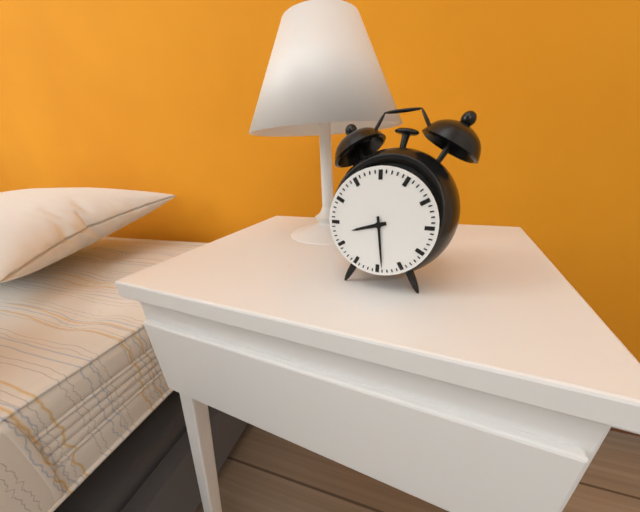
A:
h=8 m=29
